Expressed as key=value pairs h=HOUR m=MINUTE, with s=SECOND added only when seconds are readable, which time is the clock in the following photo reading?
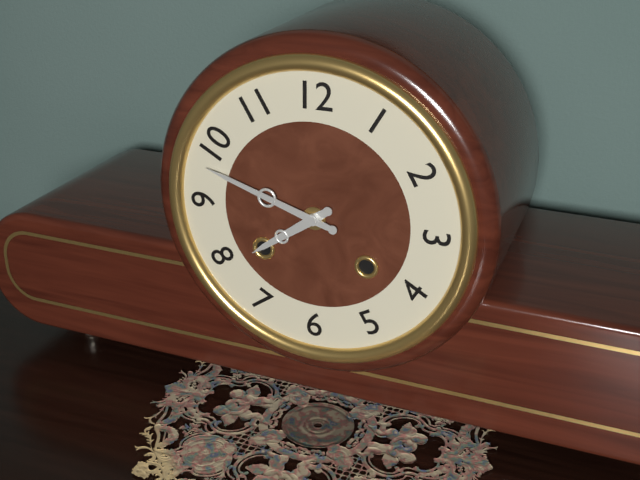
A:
h=7 m=48
